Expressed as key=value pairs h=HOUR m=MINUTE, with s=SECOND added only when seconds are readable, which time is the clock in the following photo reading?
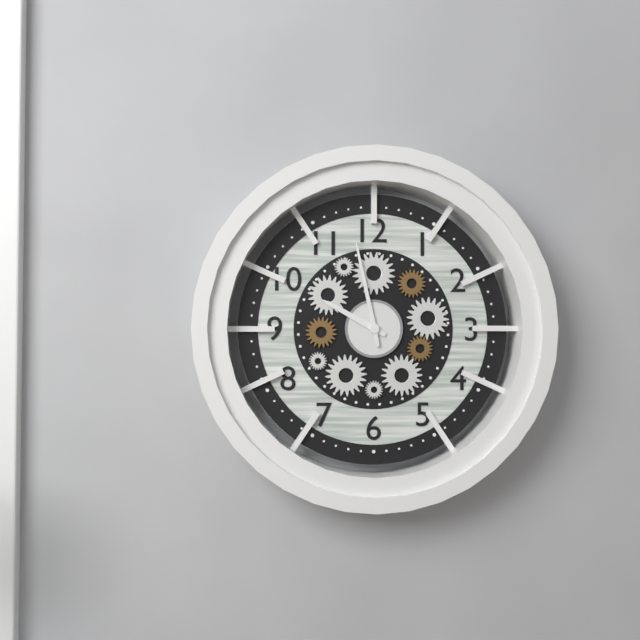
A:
h=9 m=58
